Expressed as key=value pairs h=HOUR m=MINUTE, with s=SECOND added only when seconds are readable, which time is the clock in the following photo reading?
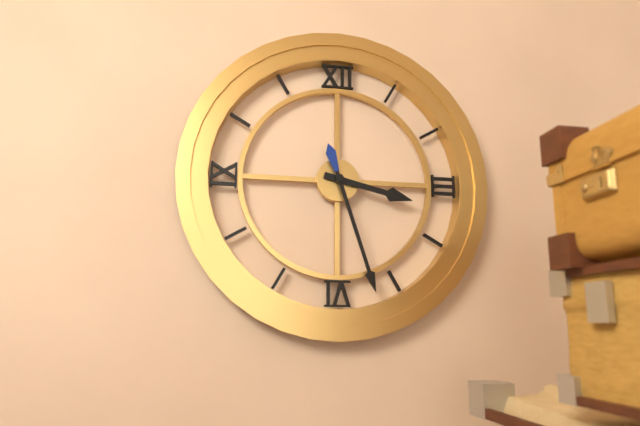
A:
h=3 m=27
